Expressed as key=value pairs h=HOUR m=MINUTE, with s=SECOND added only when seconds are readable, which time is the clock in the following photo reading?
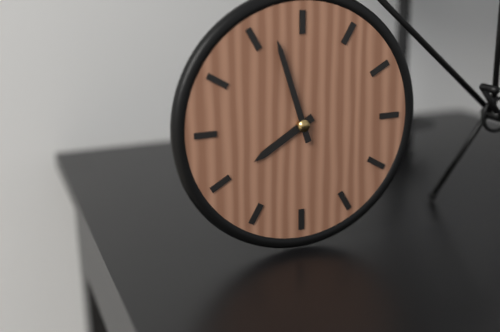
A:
h=7 m=57
